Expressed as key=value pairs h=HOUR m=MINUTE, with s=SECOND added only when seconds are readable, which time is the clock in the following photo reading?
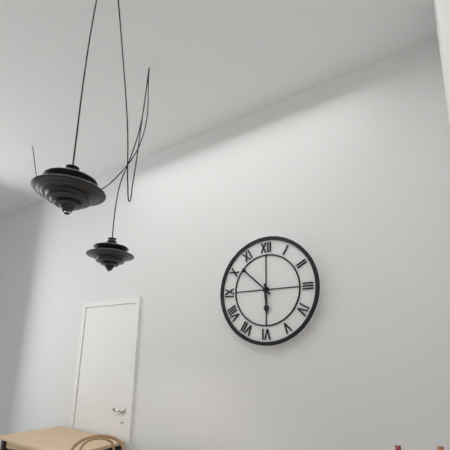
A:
h=5 m=52
